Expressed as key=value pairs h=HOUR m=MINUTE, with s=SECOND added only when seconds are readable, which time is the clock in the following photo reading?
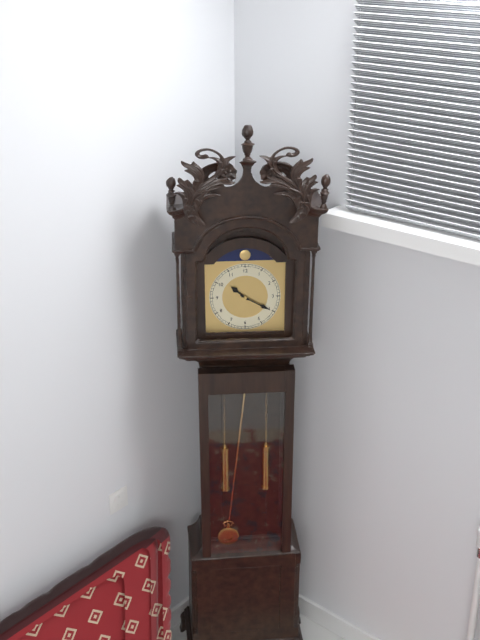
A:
h=10 m=20
